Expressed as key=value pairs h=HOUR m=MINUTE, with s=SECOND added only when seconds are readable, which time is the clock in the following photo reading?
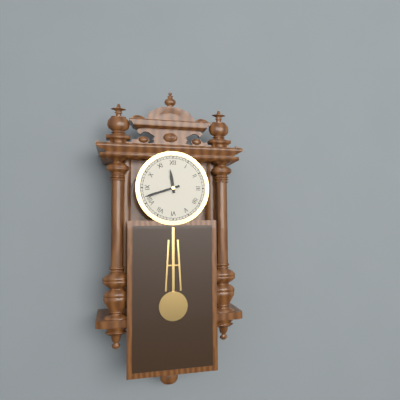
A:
h=11 m=42
